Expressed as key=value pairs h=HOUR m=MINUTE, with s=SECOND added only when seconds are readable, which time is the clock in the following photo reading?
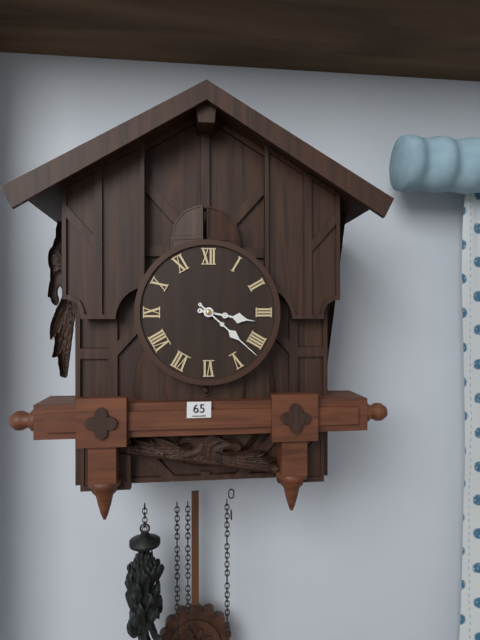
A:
h=3 m=22
